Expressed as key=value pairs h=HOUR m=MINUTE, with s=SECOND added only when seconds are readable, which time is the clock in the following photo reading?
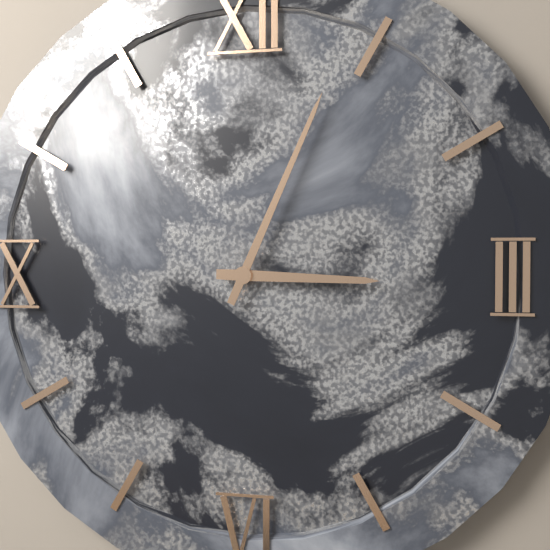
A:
h=3 m=4
